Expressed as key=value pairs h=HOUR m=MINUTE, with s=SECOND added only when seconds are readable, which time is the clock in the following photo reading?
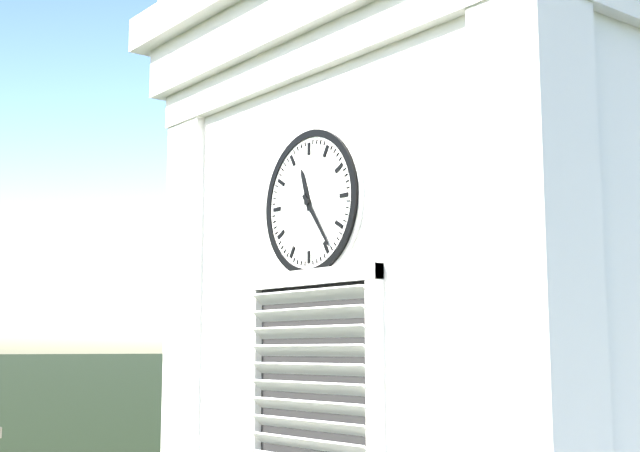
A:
h=11 m=24
